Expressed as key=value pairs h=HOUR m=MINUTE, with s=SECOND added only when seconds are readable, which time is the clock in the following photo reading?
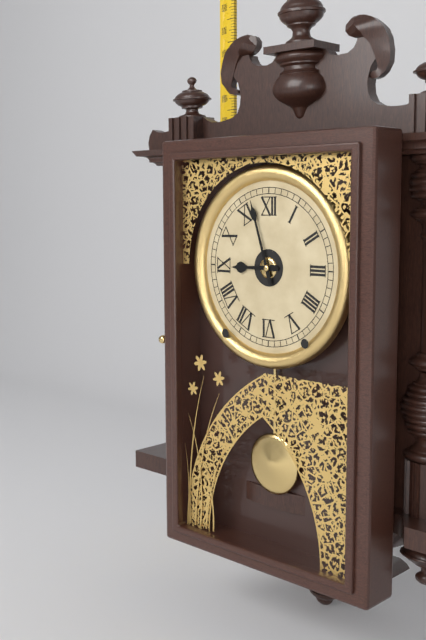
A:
h=8 m=57
